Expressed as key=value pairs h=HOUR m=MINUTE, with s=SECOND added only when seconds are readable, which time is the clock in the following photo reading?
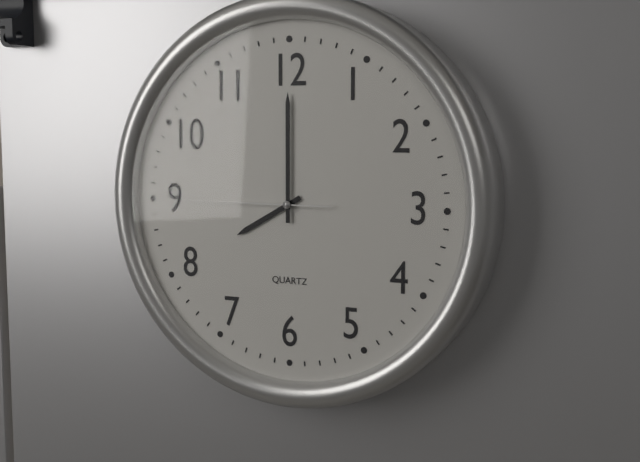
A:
h=8 m=0 s=45
